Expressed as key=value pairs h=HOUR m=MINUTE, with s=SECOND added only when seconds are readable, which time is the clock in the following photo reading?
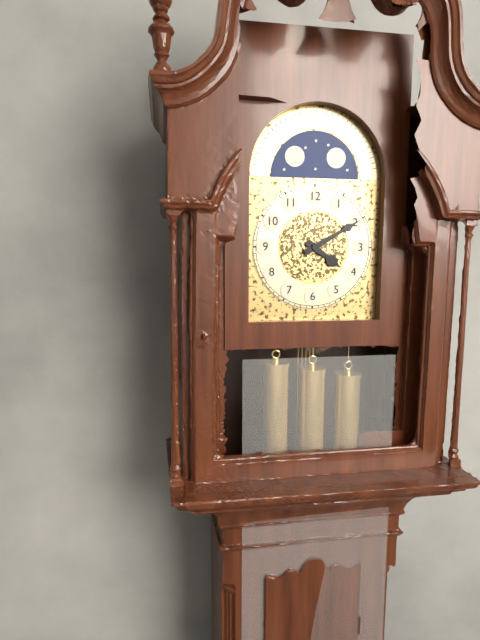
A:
h=4 m=10
